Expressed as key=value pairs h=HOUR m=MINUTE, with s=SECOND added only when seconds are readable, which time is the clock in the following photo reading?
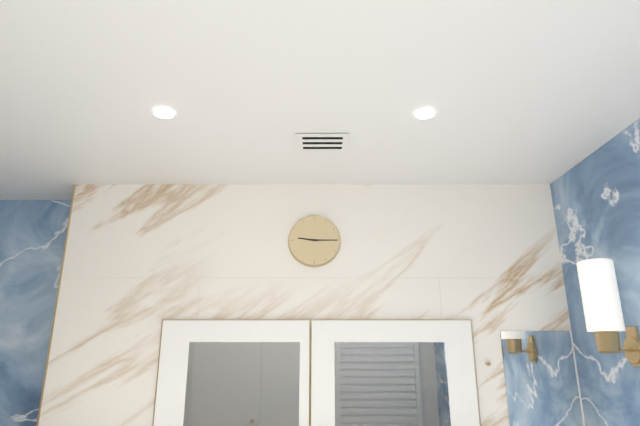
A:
h=9 m=15
